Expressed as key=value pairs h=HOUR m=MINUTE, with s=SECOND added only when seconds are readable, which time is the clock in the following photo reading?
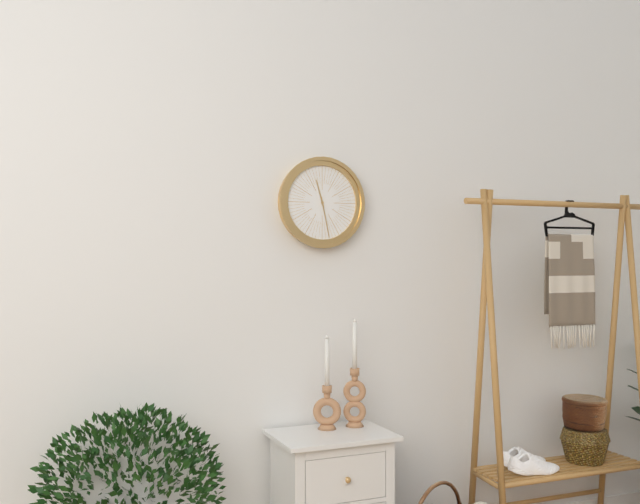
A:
h=11 m=28
